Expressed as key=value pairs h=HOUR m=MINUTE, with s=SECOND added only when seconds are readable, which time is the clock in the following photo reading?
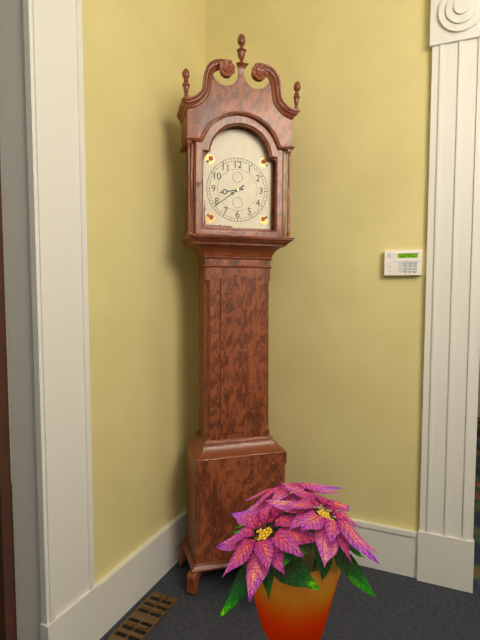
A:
h=8 m=39
